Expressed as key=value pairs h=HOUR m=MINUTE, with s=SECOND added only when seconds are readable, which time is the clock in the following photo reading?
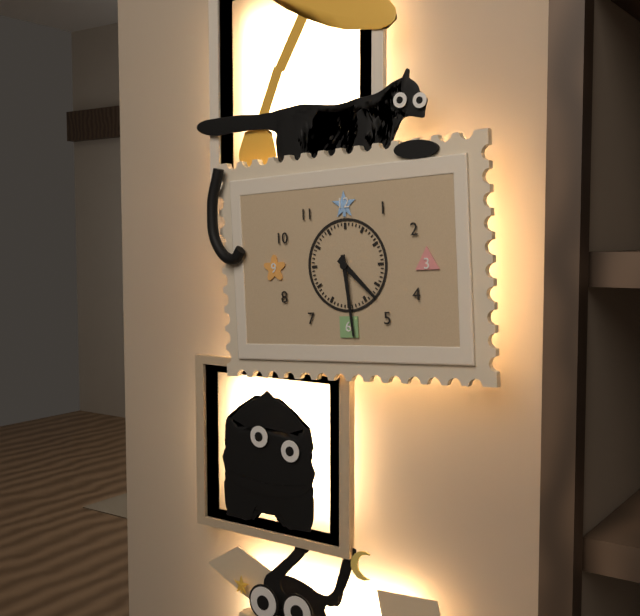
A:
h=4 m=29
